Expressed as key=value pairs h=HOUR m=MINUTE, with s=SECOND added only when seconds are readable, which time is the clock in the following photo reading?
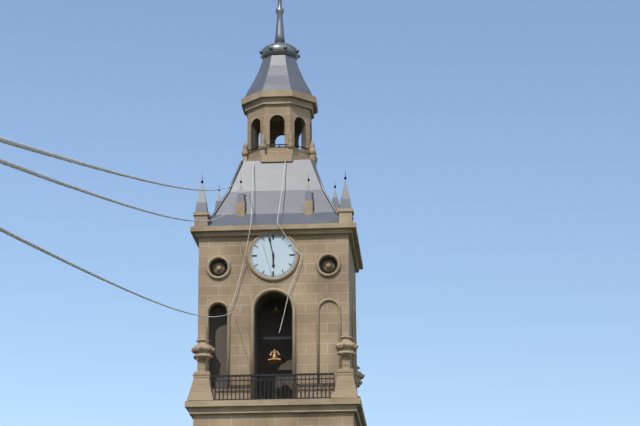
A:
h=5 m=58
